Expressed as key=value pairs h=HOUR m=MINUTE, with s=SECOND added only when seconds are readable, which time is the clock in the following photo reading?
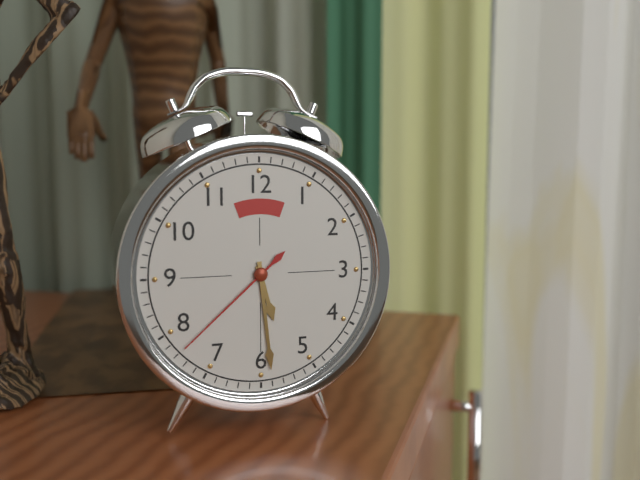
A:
h=5 m=29 s=38
